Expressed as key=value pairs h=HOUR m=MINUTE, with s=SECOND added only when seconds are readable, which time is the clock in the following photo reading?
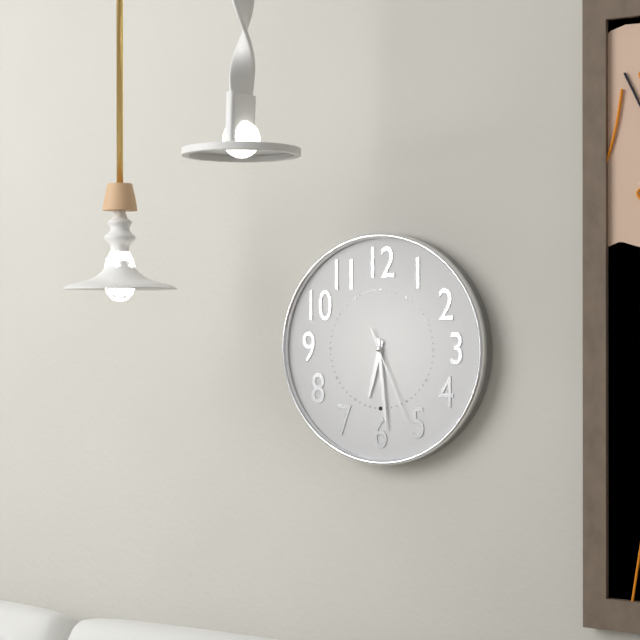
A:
h=6 m=29 s=26
